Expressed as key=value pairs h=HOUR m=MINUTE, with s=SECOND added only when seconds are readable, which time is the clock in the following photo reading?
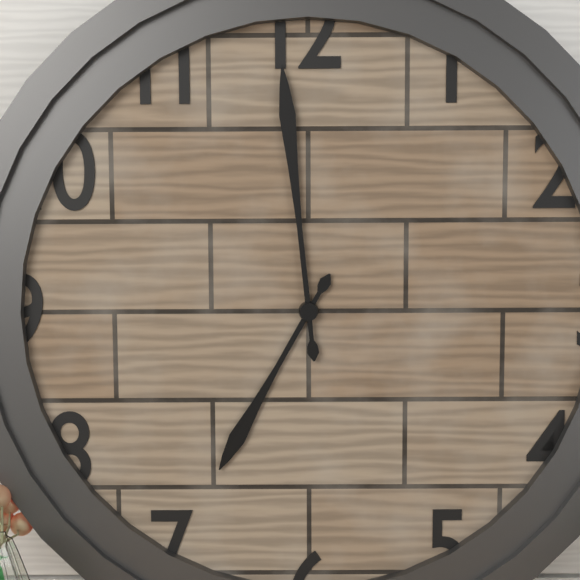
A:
h=6 m=59
